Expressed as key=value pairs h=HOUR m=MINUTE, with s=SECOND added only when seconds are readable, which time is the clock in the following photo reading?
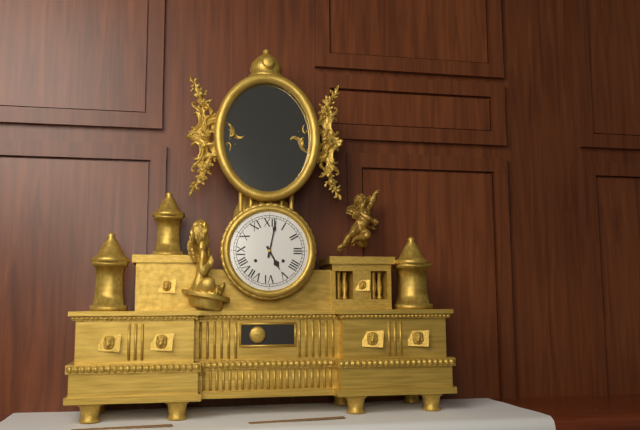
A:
h=5 m=2
